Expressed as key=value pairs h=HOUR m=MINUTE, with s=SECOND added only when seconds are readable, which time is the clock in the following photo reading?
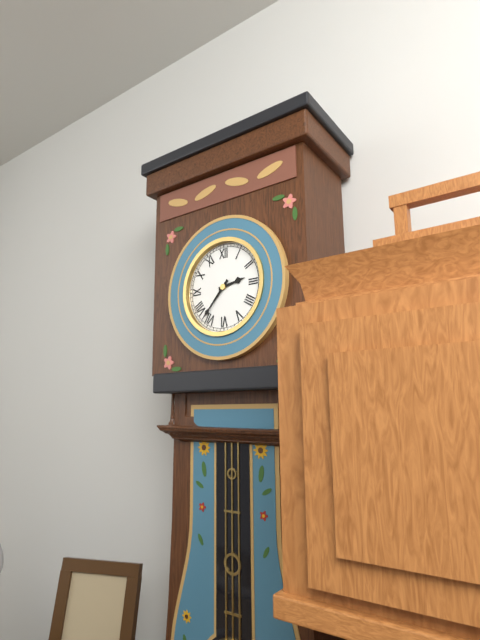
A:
h=2 m=37
